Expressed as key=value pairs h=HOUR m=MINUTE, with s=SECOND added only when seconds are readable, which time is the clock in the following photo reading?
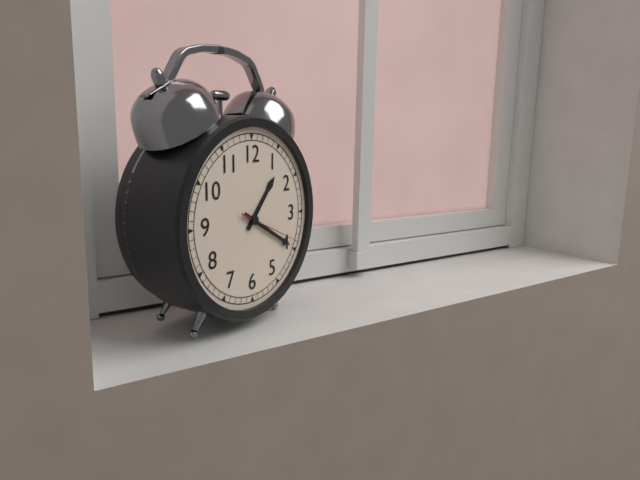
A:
h=1 m=20 s=19
